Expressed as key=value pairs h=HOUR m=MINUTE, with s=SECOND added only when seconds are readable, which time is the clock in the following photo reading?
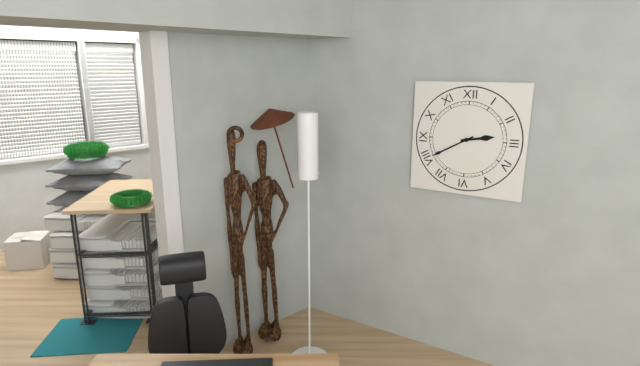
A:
h=2 m=40
